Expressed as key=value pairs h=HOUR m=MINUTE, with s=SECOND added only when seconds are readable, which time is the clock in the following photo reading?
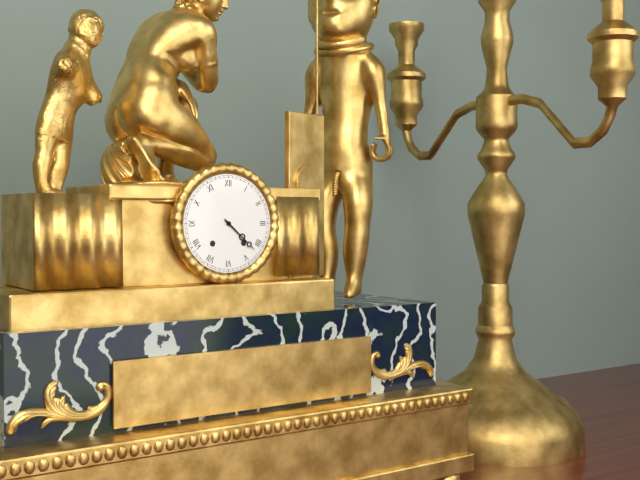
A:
h=4 m=22
